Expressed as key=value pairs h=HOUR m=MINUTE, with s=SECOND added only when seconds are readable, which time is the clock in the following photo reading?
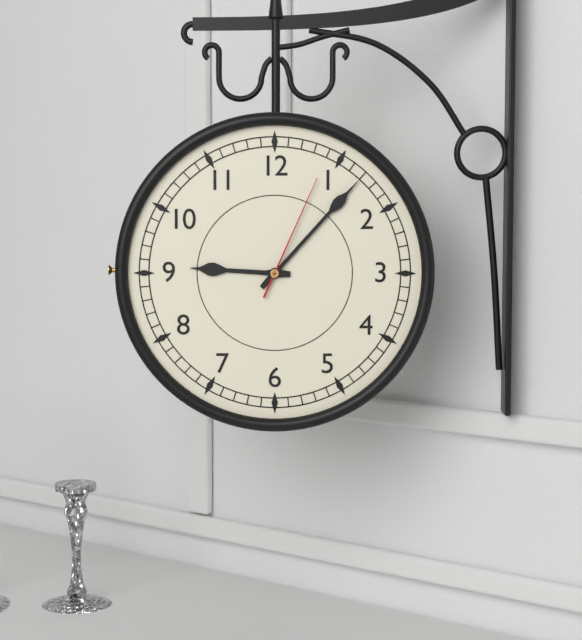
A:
h=9 m=7 s=4
